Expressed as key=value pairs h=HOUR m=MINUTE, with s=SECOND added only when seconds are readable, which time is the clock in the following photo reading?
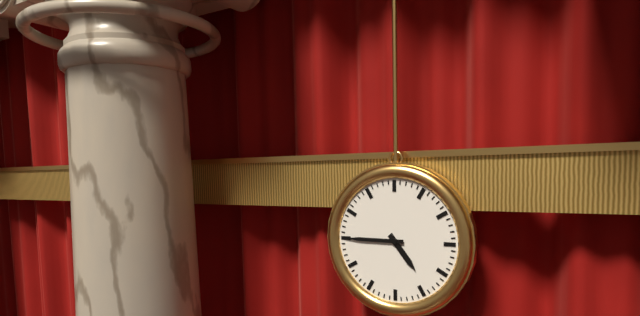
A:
h=4 m=45
